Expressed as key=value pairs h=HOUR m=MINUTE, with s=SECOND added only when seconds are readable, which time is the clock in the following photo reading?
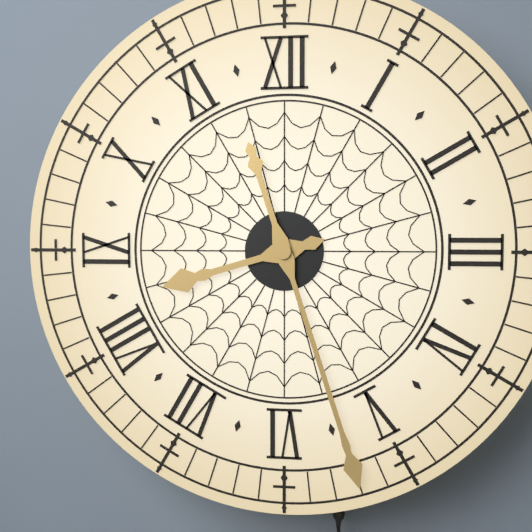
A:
h=8 m=27
